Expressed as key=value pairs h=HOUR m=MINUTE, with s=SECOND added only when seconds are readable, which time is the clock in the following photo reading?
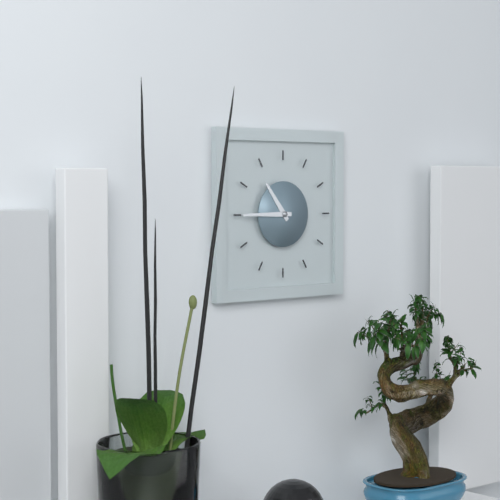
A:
h=10 m=45
